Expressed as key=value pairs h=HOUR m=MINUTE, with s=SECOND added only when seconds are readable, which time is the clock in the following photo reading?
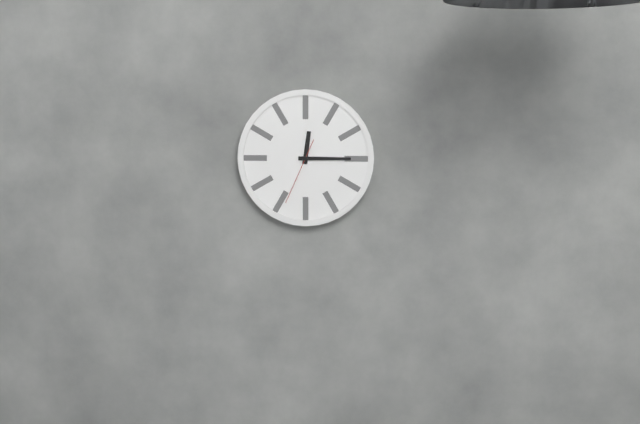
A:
h=12 m=15 s=34
